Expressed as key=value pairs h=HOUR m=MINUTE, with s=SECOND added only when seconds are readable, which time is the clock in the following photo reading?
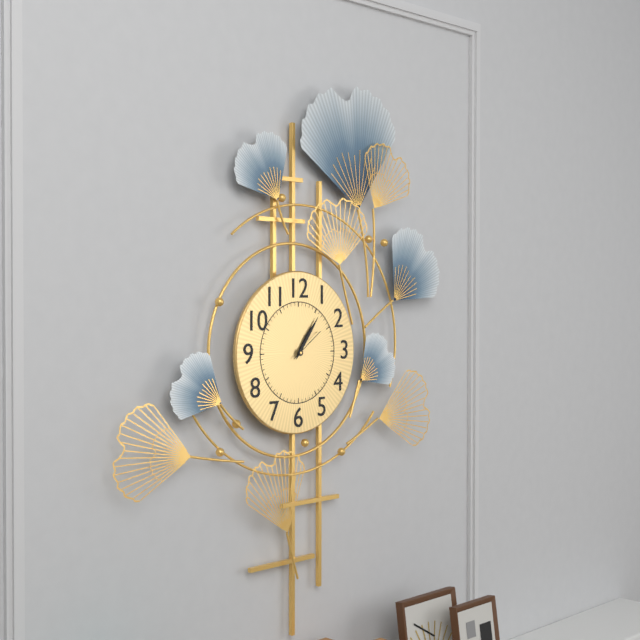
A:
h=1 m=6
